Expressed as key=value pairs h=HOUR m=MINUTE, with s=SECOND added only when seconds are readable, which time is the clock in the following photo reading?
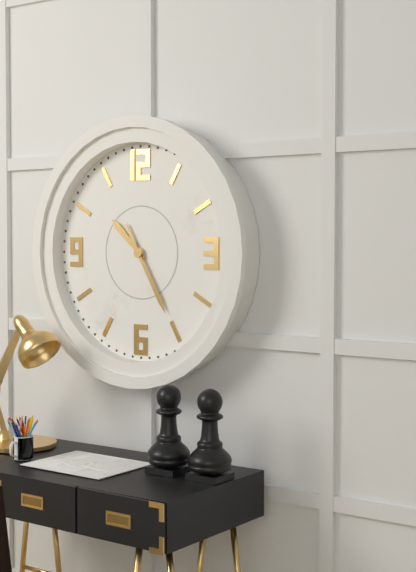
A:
h=10 m=25
